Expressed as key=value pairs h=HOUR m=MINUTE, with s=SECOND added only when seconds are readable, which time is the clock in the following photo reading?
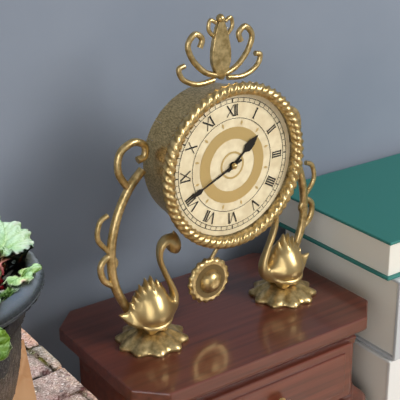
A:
h=1 m=41
